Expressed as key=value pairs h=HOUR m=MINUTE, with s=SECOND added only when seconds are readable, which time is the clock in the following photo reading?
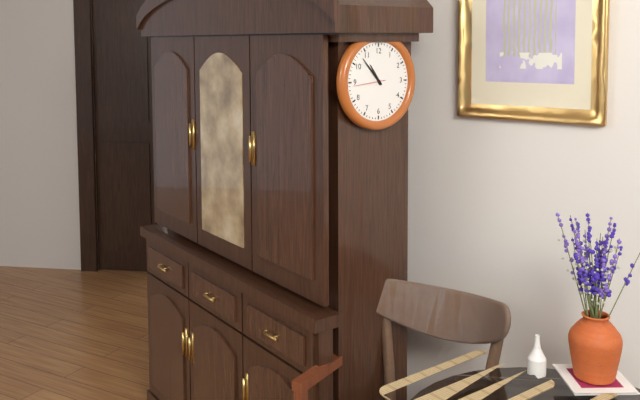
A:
h=10 m=53
